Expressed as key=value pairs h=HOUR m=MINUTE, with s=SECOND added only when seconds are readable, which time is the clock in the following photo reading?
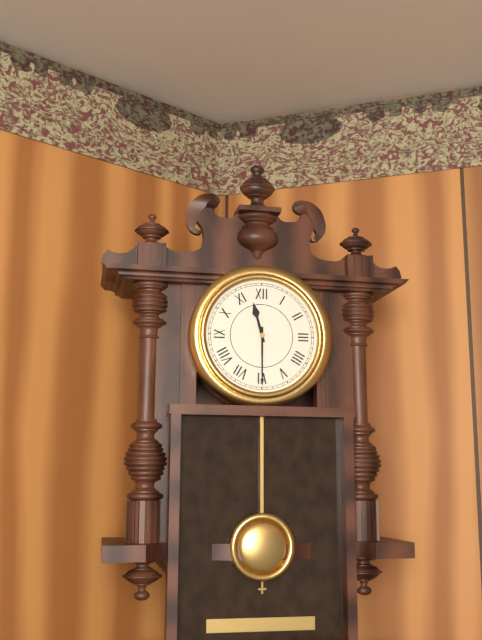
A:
h=11 m=30
